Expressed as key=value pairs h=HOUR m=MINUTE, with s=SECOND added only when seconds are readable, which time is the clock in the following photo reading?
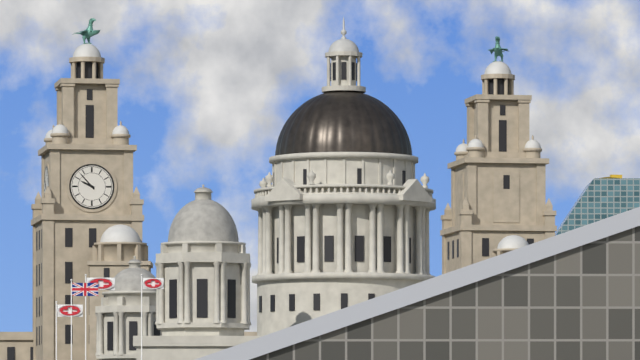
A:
h=9 m=53
